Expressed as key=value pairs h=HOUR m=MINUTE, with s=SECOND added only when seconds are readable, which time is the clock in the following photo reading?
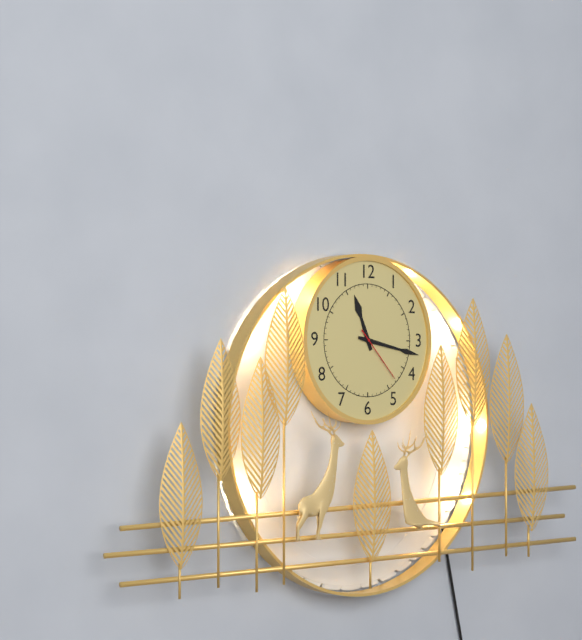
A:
h=11 m=17 s=23
